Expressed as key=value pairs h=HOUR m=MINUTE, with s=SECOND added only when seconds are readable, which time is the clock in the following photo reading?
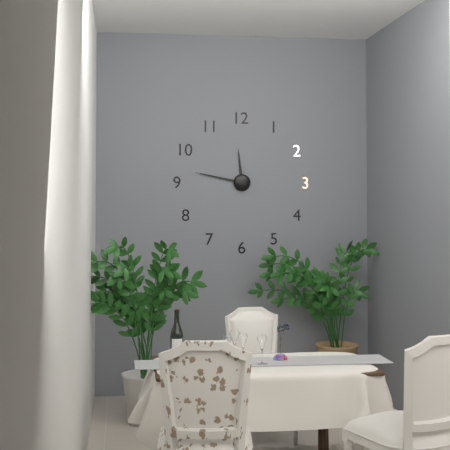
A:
h=11 m=47
